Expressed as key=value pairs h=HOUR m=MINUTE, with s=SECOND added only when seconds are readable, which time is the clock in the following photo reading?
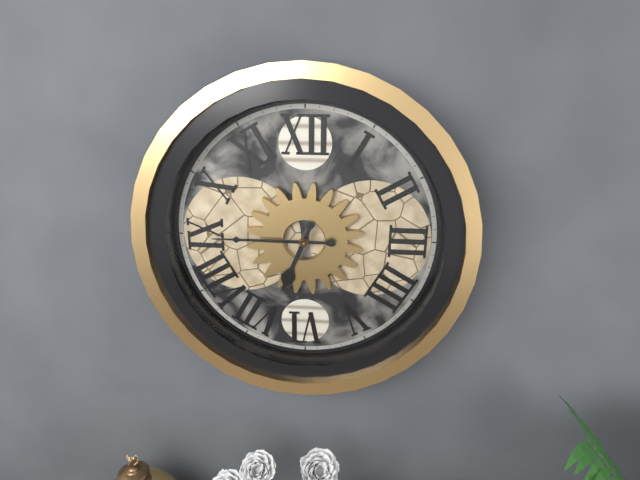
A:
h=6 m=45
